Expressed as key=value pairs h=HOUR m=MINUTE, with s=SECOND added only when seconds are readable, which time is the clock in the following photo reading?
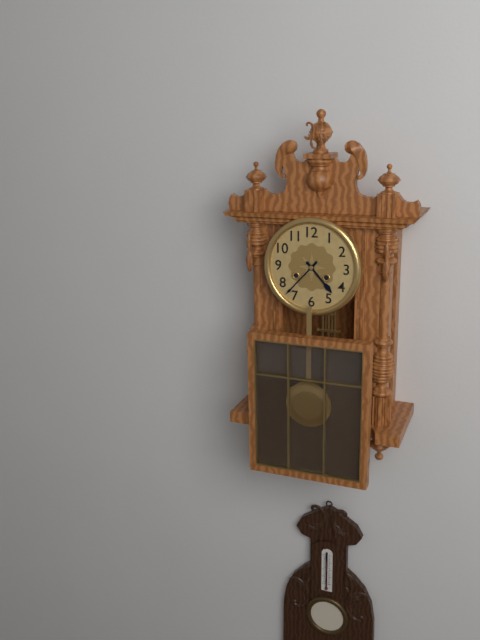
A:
h=4 m=37
